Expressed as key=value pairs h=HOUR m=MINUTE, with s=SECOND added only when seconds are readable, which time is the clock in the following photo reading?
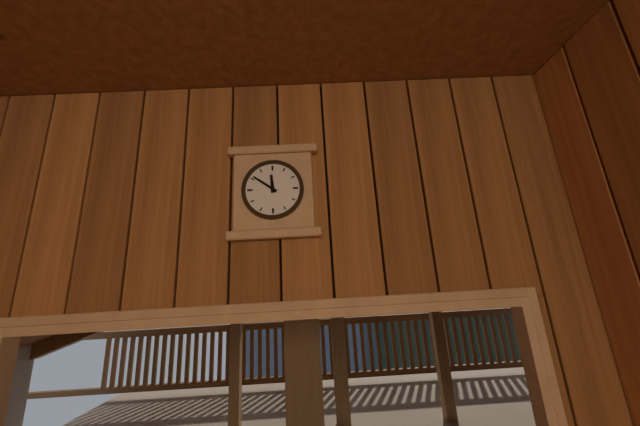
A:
h=11 m=51
